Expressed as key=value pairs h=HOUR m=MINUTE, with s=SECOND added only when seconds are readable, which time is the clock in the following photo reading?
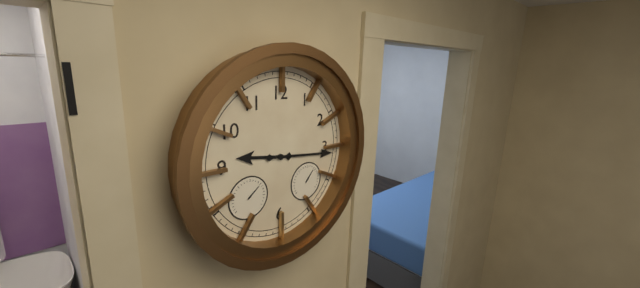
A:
h=9 m=16
